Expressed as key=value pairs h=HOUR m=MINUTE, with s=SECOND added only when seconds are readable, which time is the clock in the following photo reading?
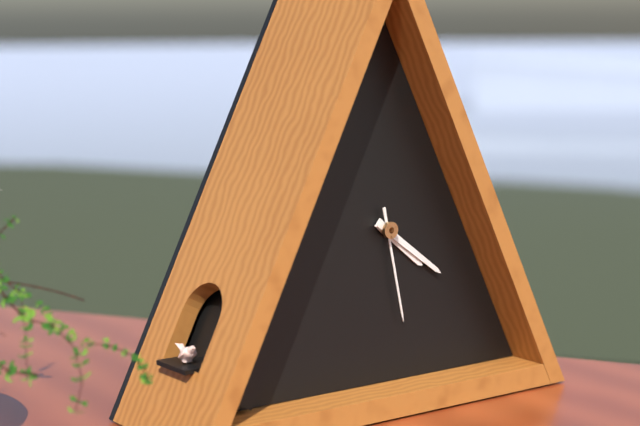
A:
h=4 m=21 s=28
